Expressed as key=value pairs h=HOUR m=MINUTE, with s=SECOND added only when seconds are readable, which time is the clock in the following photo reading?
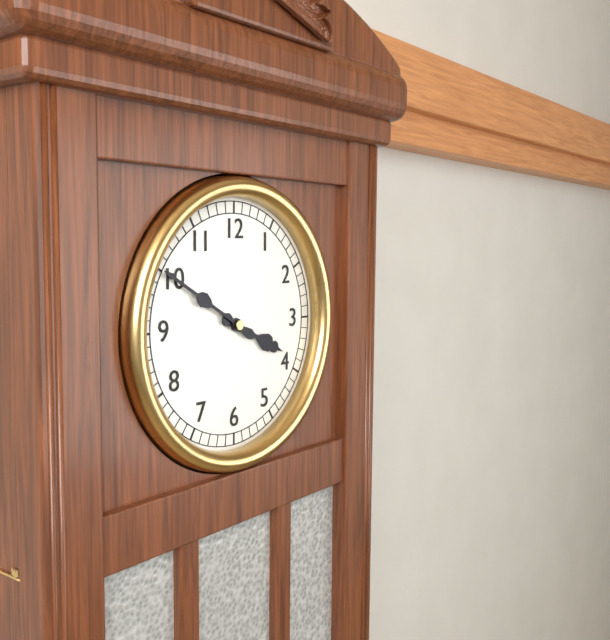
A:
h=3 m=50
